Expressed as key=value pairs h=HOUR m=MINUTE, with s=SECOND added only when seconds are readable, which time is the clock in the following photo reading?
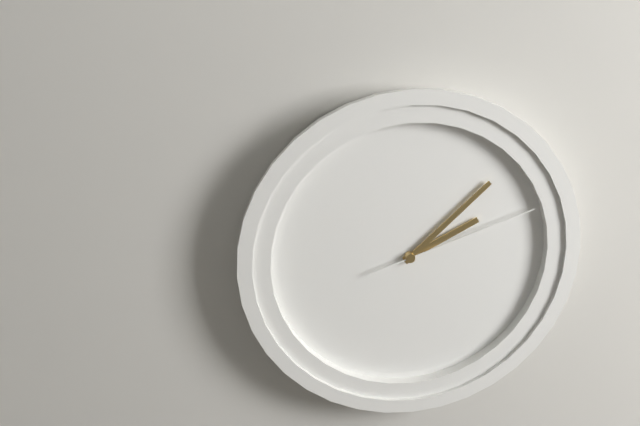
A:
h=2 m=8 s=12
